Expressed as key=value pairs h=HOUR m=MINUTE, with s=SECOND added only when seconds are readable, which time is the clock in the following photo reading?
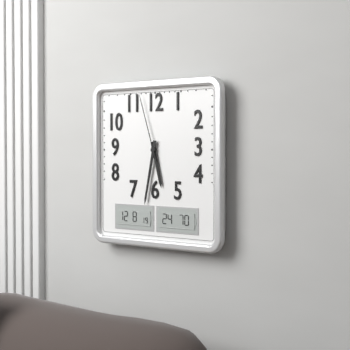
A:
h=5 m=32 s=57
